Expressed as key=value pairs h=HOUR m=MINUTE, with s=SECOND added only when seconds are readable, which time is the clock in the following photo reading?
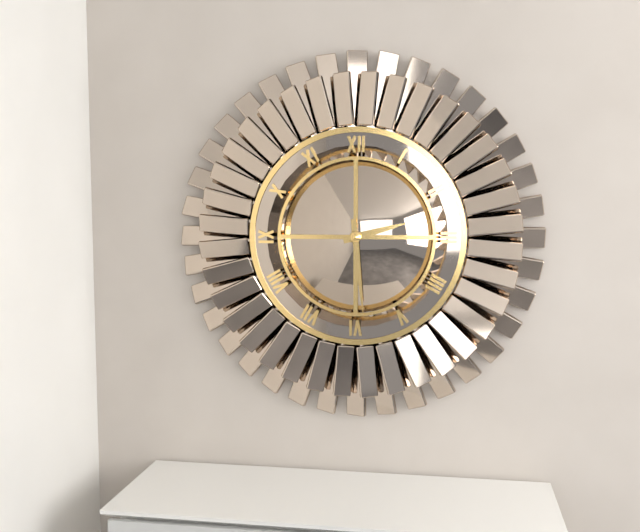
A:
h=2 m=29
